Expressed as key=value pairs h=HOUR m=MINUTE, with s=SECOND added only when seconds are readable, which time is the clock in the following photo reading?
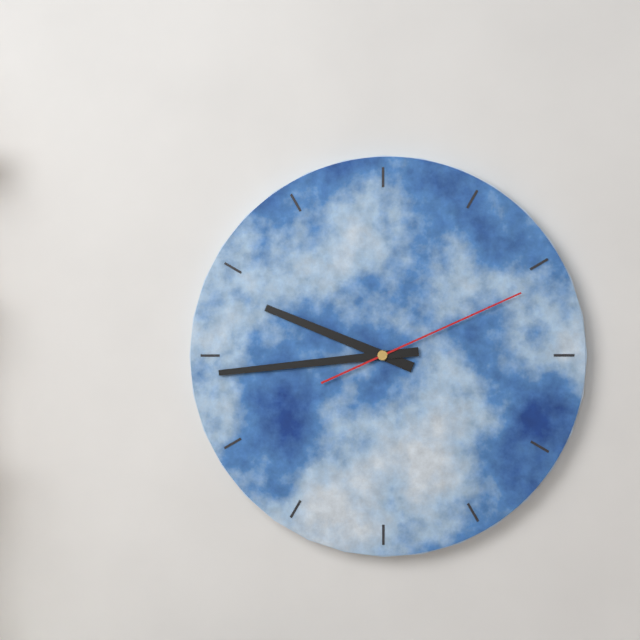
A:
h=9 m=44 s=11
